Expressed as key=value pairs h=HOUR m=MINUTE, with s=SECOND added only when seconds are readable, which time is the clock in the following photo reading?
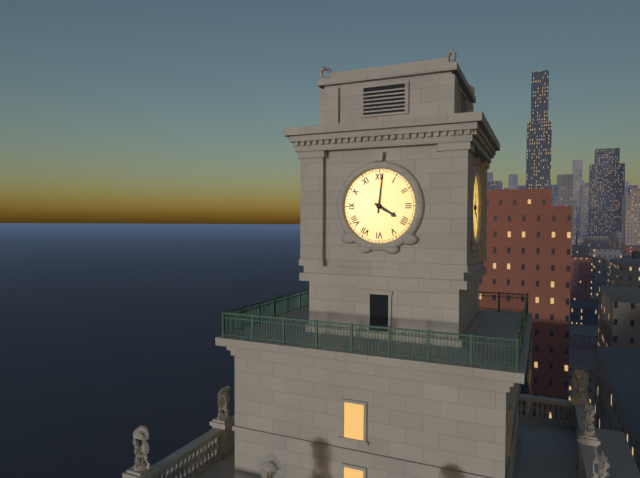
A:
h=4 m=1
